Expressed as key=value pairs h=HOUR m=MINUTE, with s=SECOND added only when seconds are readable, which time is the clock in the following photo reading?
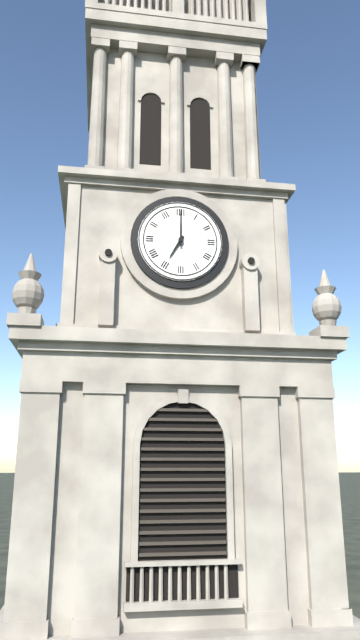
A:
h=7 m=0
